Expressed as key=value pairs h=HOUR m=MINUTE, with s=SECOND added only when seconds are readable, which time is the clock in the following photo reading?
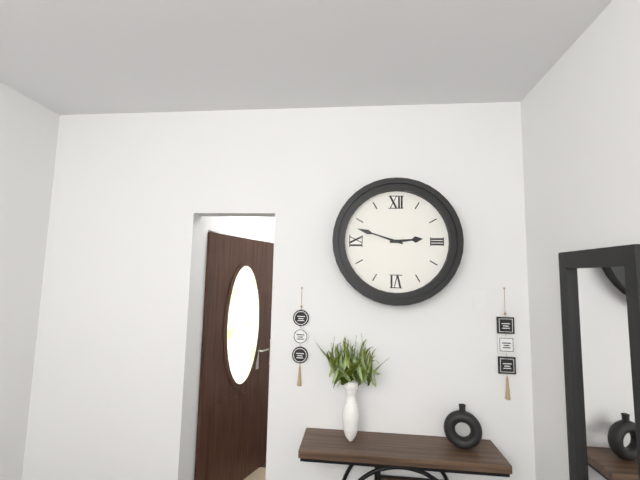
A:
h=2 m=48
